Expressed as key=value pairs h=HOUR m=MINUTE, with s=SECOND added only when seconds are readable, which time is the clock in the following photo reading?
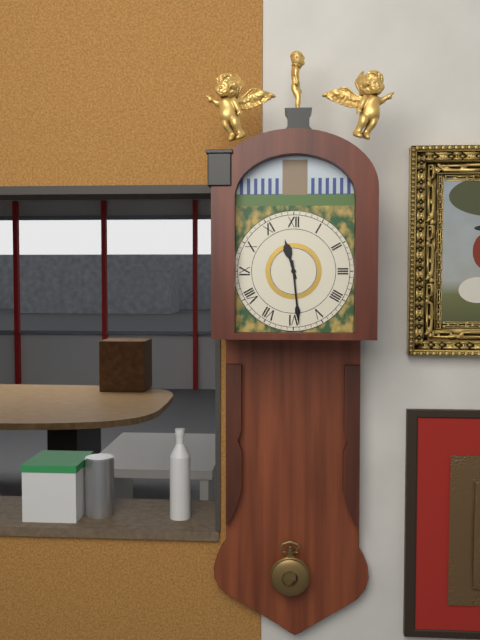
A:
h=11 m=29
